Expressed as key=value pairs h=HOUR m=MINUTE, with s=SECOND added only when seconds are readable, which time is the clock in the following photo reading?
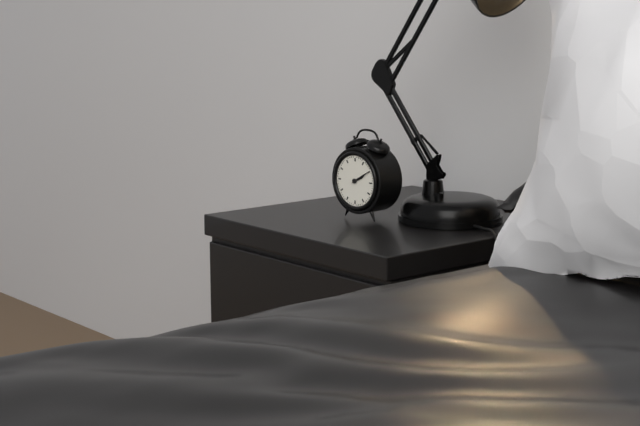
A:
h=2 m=10
